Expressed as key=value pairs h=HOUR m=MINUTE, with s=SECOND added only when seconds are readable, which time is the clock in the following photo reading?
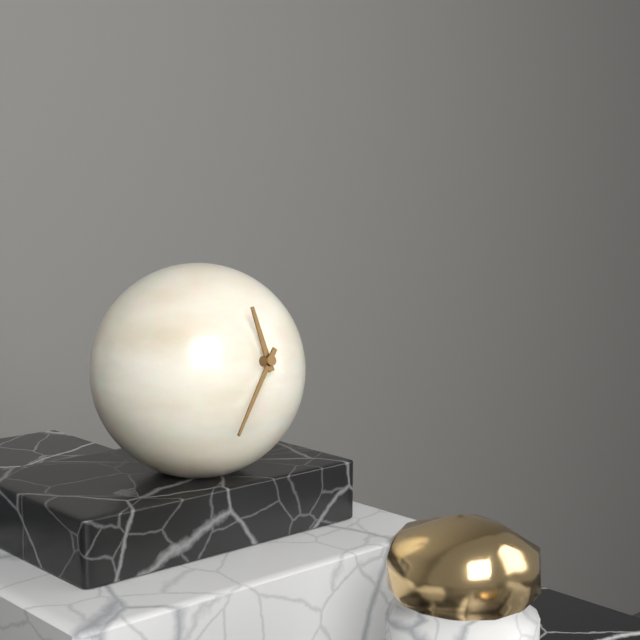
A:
h=11 m=36
